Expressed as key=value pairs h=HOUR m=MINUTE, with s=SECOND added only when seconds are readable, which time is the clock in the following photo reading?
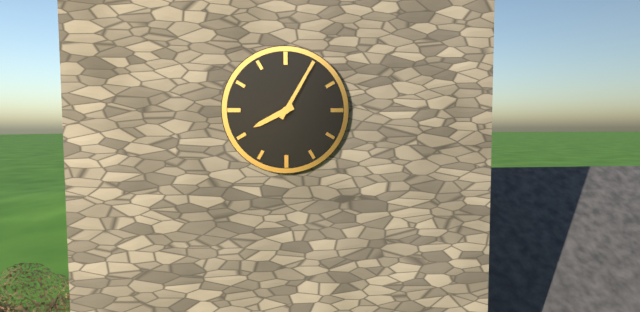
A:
h=8 m=5
